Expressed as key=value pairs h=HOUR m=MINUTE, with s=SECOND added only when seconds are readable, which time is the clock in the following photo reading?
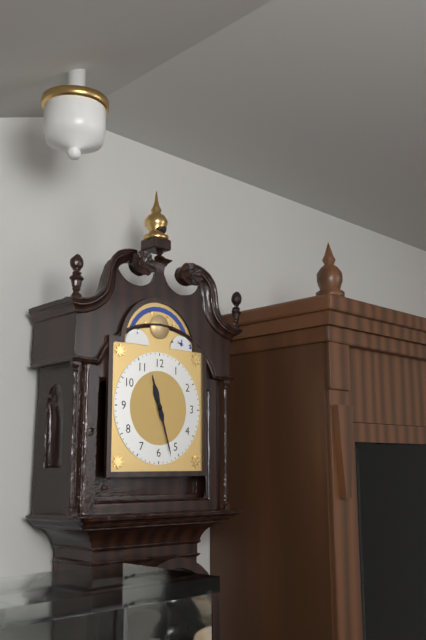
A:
h=11 m=27
